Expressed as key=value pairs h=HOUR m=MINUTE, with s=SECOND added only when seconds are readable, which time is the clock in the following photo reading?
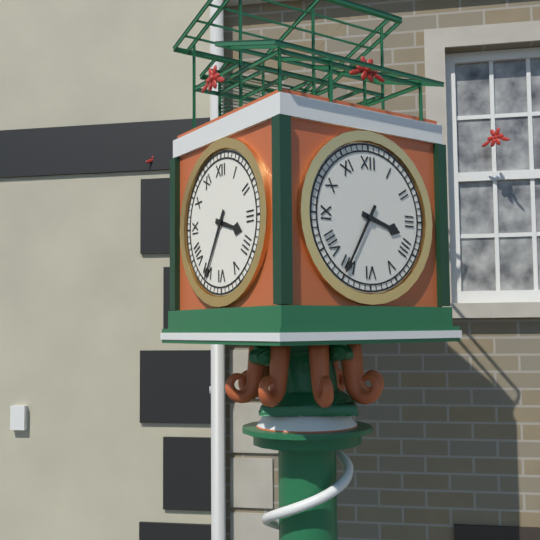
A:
h=3 m=35
